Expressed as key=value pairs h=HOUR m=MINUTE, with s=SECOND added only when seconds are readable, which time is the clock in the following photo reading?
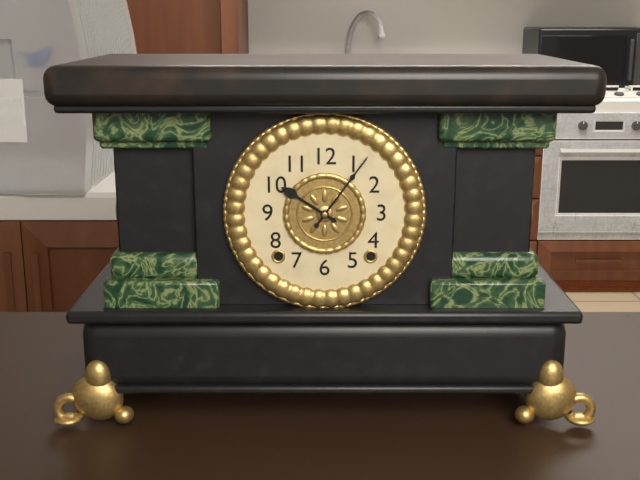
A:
h=10 m=6
